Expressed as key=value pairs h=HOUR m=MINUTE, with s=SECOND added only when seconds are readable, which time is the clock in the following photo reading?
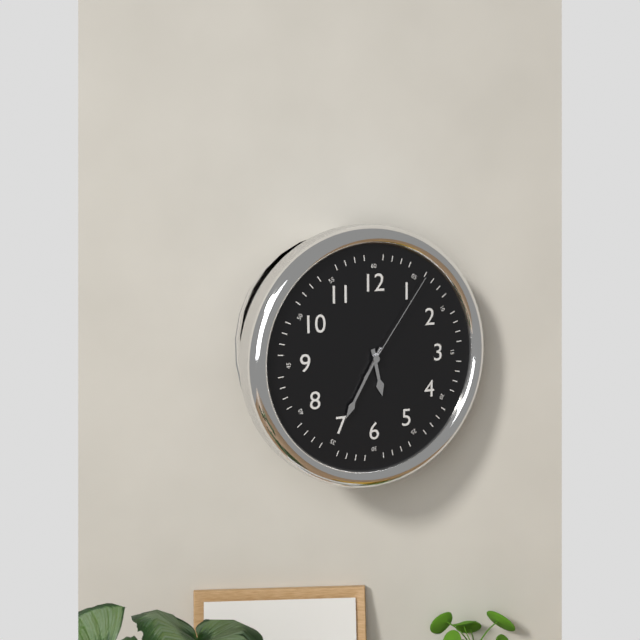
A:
h=5 m=35 s=6
